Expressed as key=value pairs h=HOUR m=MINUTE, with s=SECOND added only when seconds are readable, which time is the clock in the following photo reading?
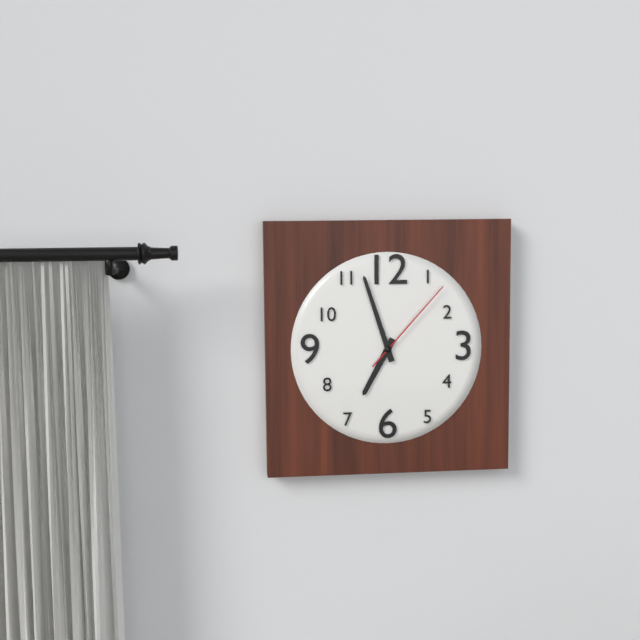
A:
h=6 m=57 s=7
